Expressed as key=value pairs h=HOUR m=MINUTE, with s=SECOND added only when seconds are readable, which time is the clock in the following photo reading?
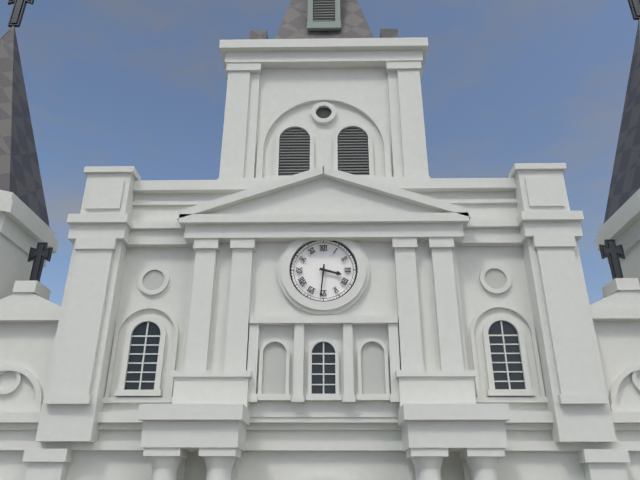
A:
h=3 m=31
